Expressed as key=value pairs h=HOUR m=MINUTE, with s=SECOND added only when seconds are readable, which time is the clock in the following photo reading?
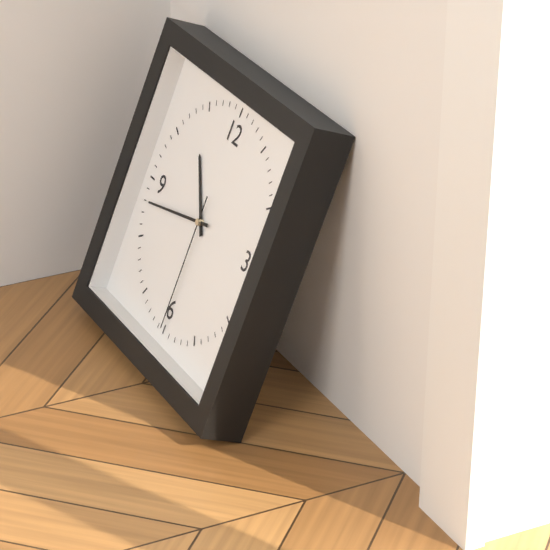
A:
h=10 m=43 s=30
